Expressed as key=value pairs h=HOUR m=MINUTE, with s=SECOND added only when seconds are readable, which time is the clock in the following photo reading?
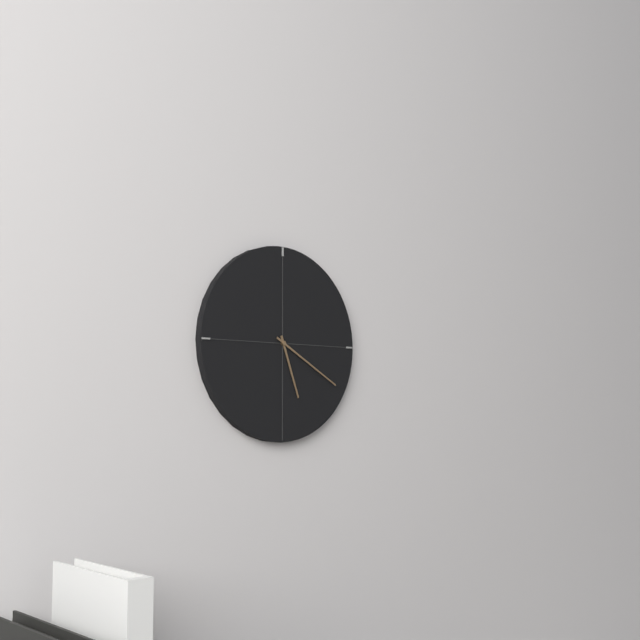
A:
h=5 m=20
